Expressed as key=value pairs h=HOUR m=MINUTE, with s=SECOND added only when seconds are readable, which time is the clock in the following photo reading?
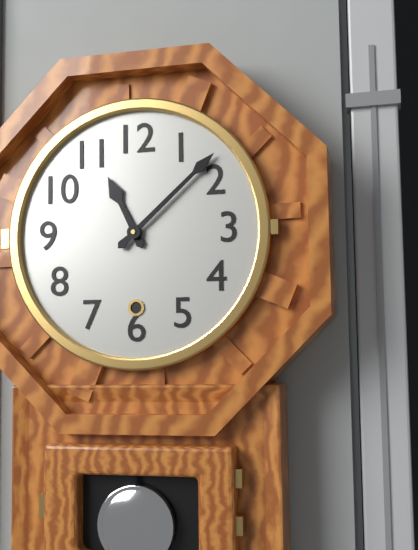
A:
h=11 m=8
